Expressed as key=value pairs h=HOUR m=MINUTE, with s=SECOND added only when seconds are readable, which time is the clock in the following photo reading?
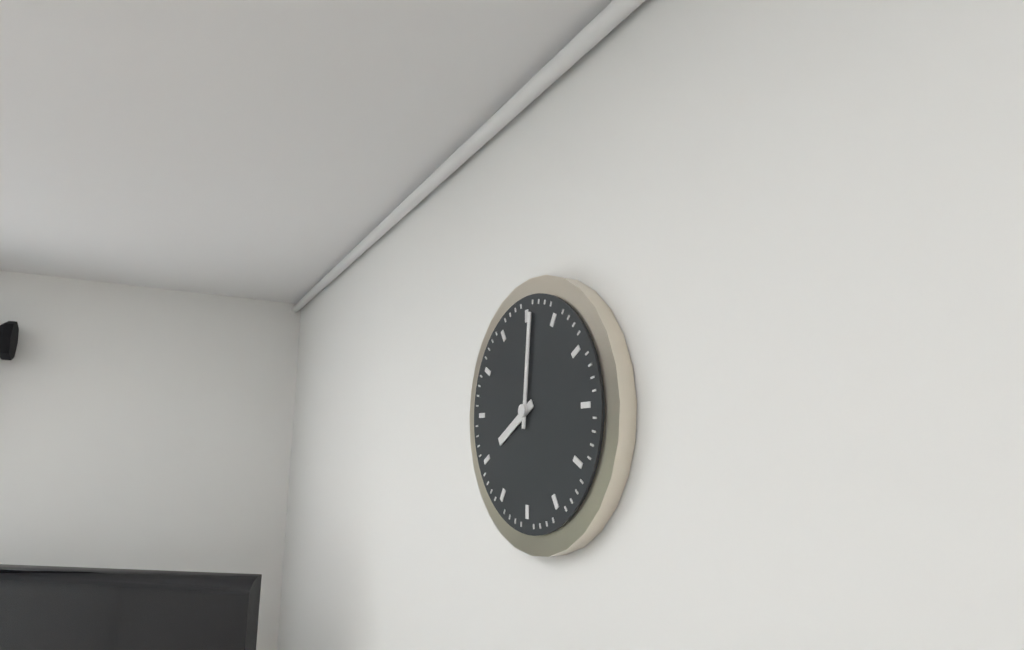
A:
h=8 m=1
